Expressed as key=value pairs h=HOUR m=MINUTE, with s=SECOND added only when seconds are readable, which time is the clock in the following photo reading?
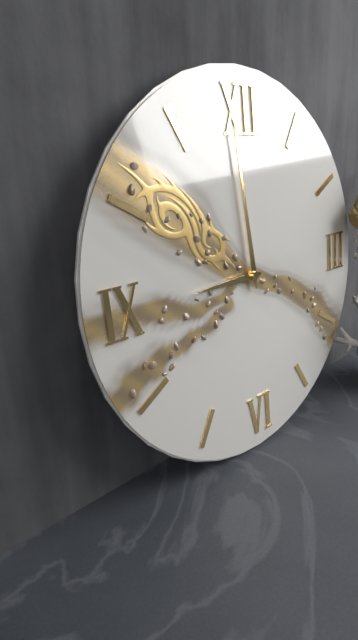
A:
h=8 m=59
